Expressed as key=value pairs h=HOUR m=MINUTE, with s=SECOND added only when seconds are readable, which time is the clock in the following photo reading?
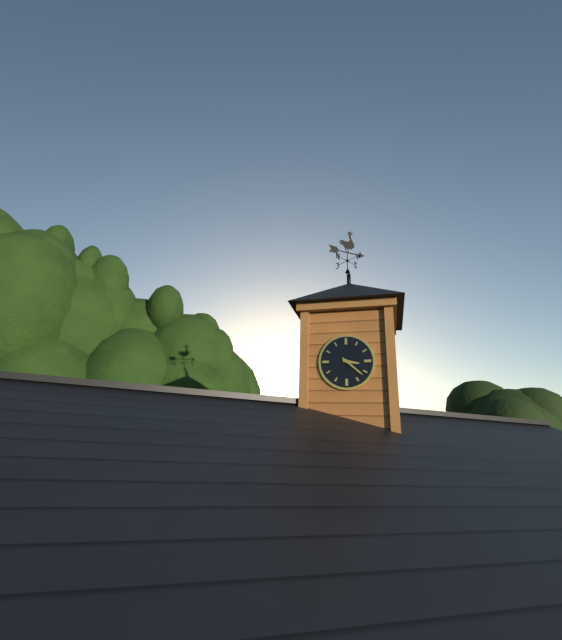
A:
h=3 m=22
